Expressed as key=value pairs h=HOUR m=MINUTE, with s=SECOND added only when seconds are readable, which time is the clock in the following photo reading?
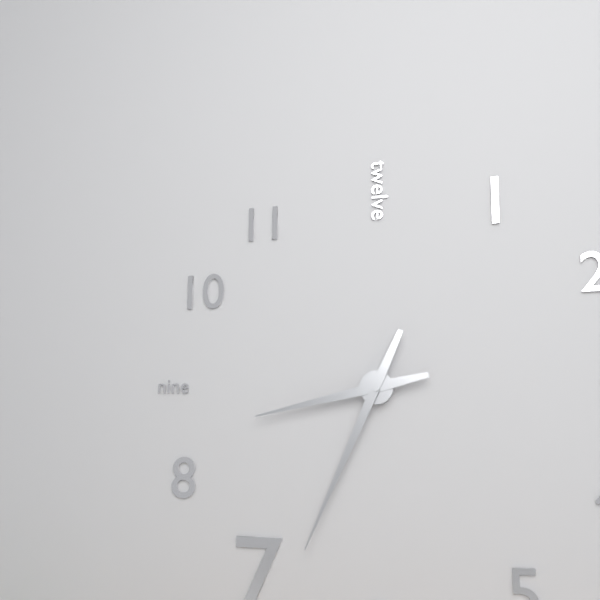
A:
h=8 m=34
